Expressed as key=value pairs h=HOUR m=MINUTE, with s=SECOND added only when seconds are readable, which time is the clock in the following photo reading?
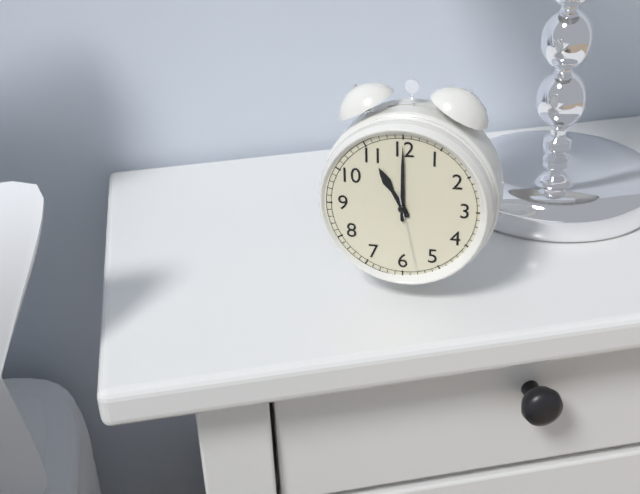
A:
h=11 m=0 s=28
